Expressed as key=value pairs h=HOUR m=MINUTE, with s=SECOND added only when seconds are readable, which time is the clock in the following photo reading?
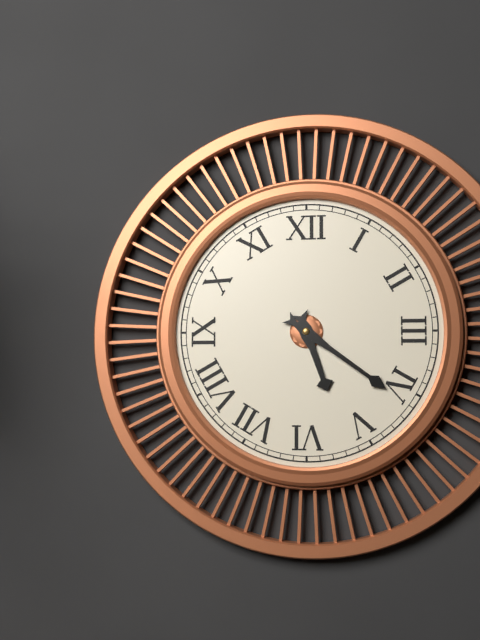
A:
h=5 m=21
